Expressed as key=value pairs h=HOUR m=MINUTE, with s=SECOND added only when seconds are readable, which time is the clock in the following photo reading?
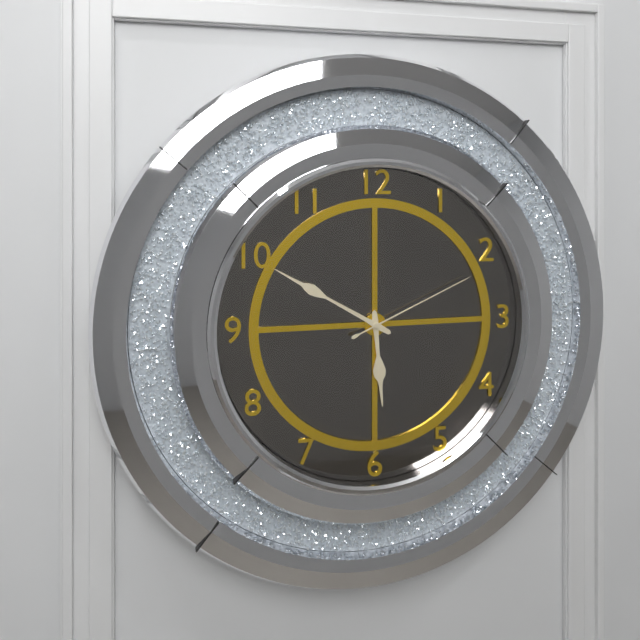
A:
h=5 m=50 s=11
